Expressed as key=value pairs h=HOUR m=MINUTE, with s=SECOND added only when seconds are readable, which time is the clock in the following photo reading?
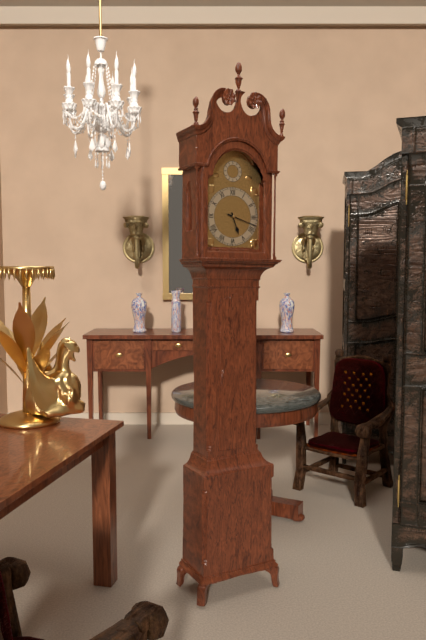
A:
h=5 m=18
